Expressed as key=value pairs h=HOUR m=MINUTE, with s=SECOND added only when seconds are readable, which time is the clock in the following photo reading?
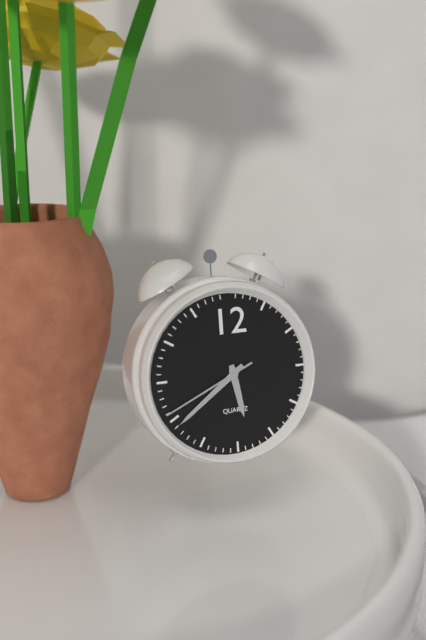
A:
h=5 m=39 s=41
